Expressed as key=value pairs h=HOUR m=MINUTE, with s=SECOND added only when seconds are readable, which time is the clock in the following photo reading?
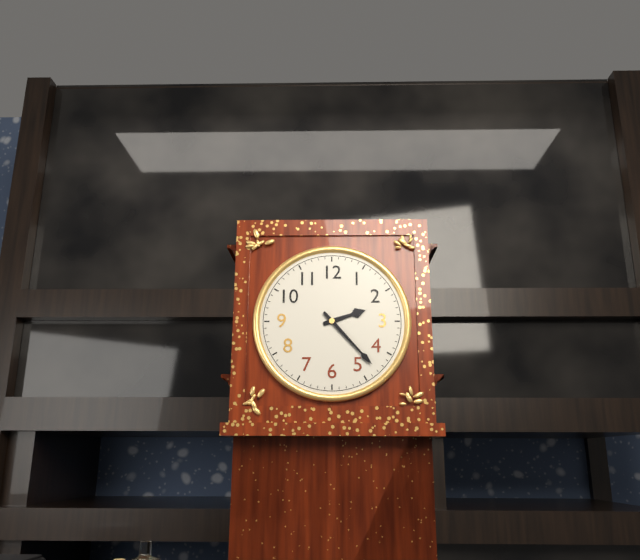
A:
h=2 m=23
